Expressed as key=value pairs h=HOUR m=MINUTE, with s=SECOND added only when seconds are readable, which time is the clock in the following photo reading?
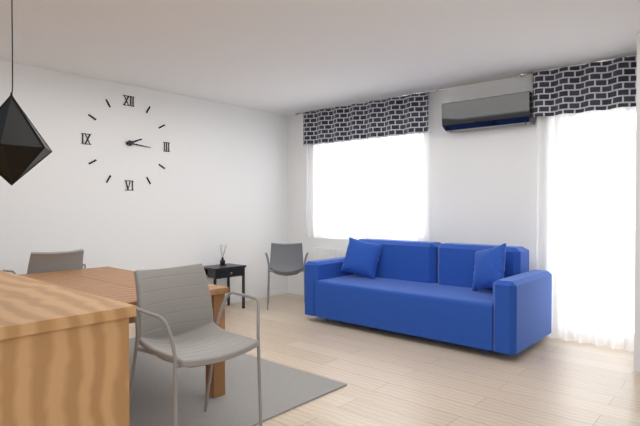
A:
h=2 m=16
